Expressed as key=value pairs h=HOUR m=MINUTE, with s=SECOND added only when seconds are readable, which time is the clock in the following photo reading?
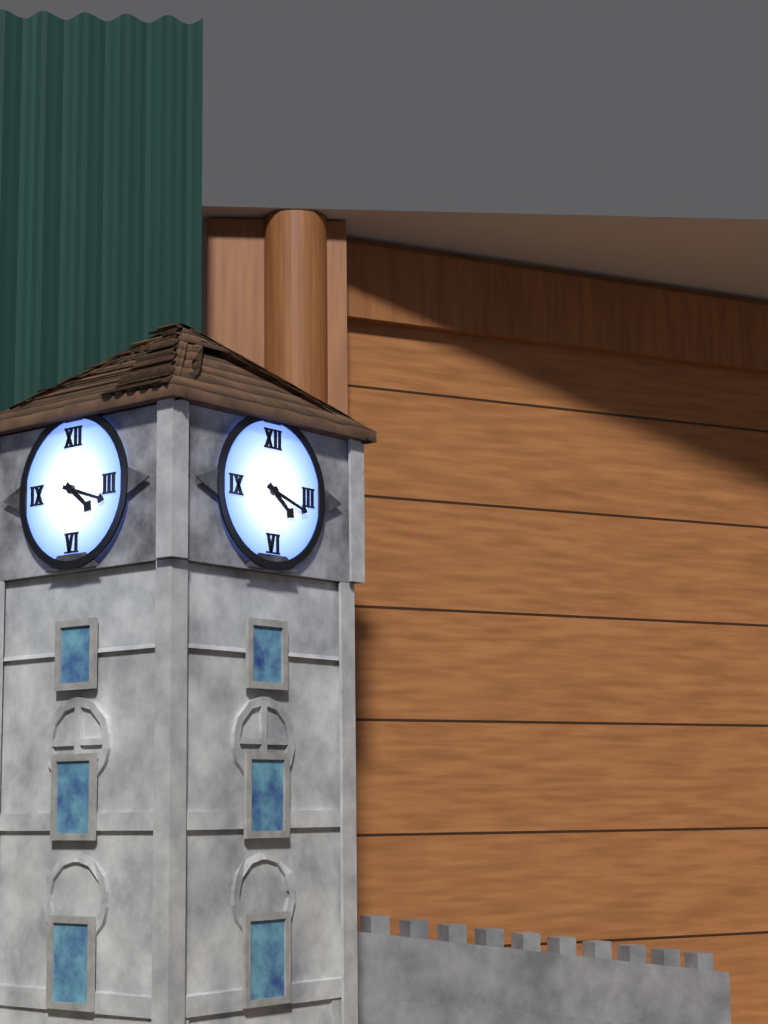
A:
h=4 m=18
